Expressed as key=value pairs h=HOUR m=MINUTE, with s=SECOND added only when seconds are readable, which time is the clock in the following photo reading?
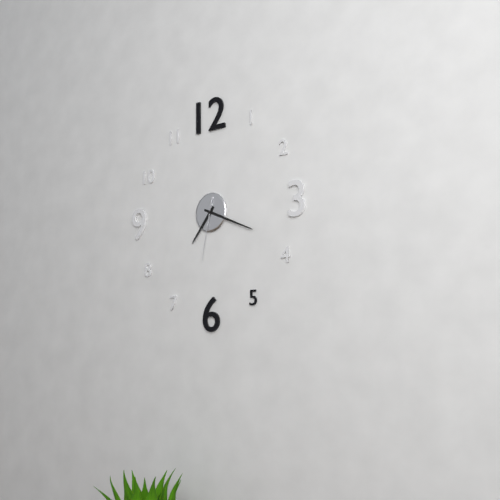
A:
h=7 m=19 s=32
